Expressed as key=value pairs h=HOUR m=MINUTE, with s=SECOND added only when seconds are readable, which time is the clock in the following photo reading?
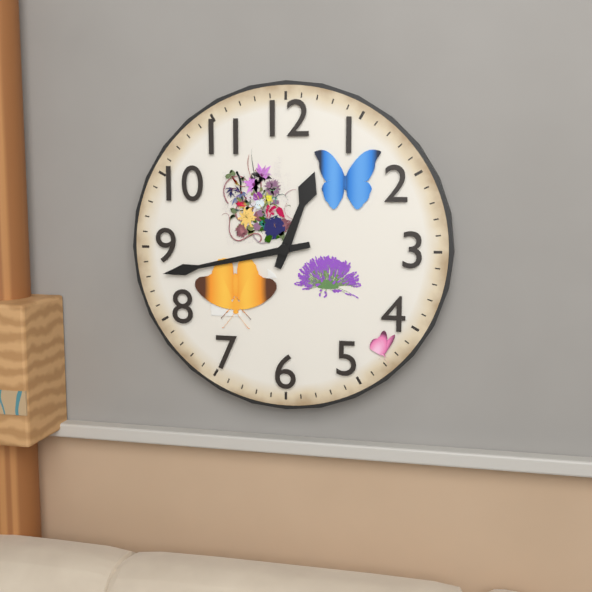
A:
h=12 m=43
